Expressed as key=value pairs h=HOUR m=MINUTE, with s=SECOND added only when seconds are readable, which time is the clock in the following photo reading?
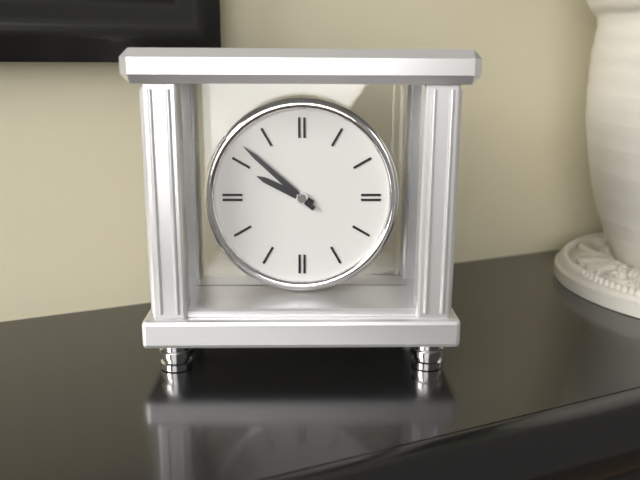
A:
h=9 m=52
